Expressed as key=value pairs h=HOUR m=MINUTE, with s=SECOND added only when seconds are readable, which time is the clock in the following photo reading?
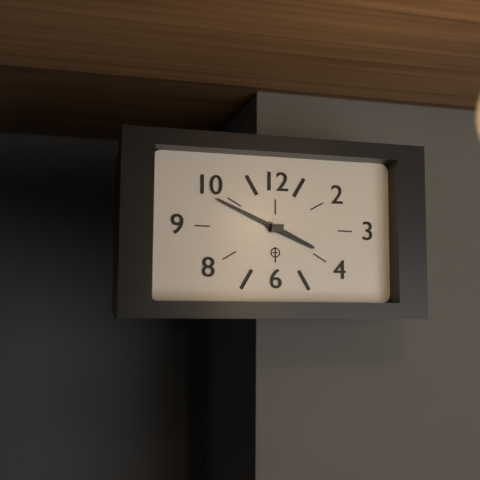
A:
h=3 m=49
